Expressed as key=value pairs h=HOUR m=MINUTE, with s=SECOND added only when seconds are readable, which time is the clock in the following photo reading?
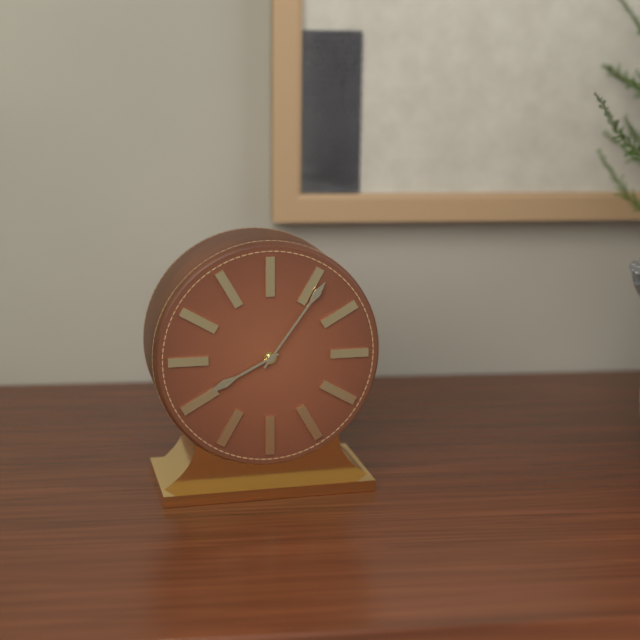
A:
h=8 m=6
